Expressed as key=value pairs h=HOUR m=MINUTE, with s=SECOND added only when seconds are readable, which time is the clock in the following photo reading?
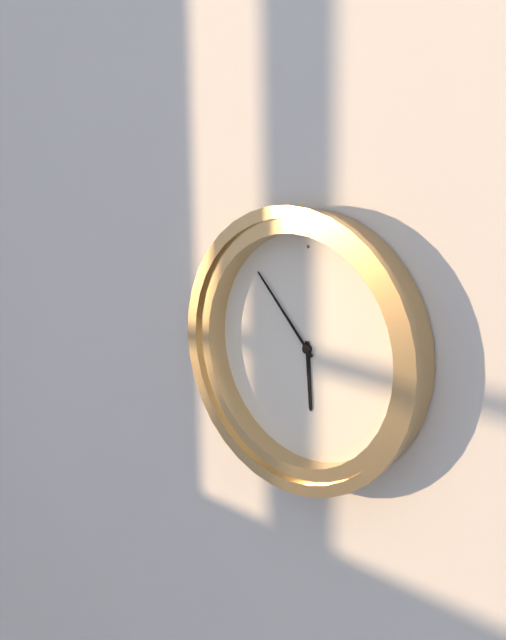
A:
h=5 m=53
